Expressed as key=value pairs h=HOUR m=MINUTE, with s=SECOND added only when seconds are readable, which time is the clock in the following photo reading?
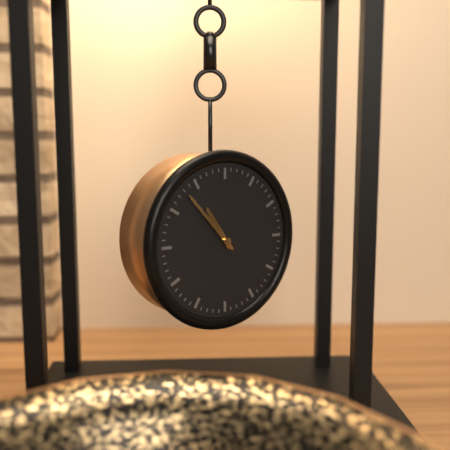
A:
h=10 m=53
